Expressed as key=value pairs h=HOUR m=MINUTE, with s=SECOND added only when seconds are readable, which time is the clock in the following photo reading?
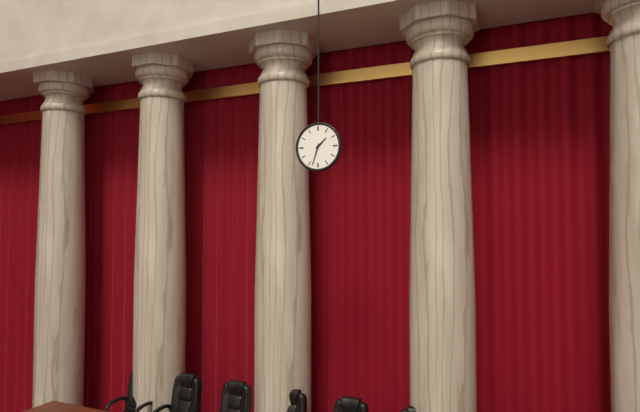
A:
h=1 m=33
